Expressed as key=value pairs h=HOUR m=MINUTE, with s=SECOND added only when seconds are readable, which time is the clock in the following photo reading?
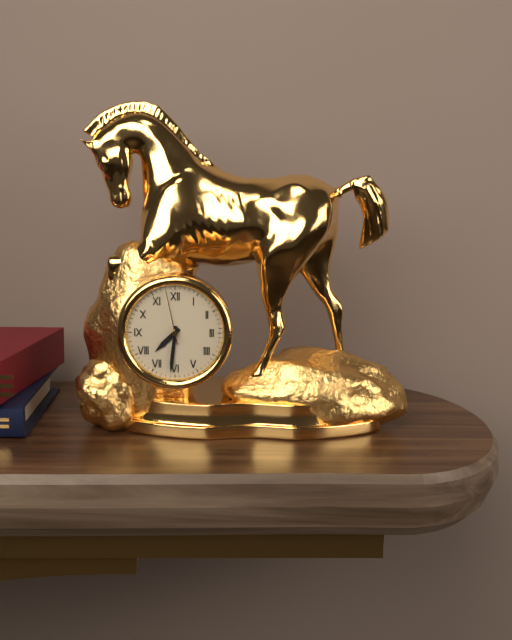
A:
h=7 m=31 s=58
